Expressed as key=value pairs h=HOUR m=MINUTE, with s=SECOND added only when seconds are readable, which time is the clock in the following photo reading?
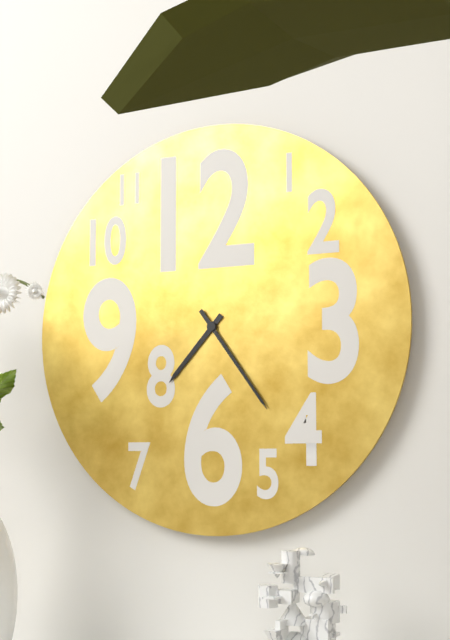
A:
h=7 m=24
